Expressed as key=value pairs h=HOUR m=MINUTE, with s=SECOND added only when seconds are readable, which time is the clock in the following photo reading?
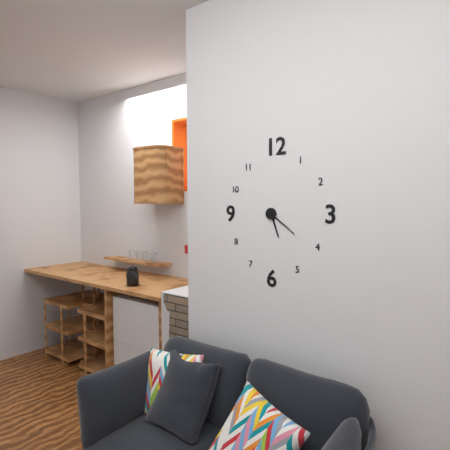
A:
h=5 m=21
